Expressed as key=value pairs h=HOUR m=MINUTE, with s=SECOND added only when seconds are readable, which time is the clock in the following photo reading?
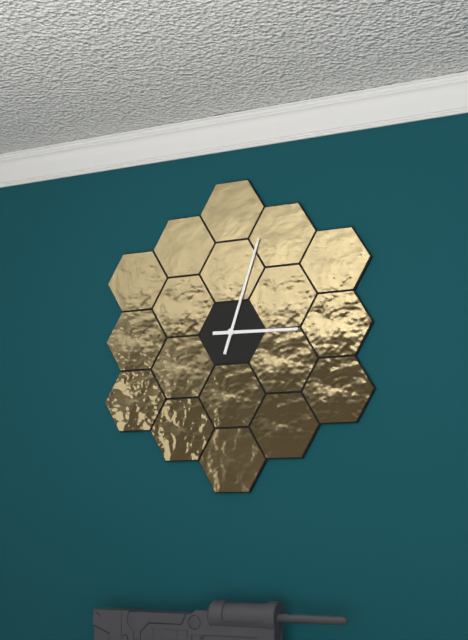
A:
h=3 m=3
